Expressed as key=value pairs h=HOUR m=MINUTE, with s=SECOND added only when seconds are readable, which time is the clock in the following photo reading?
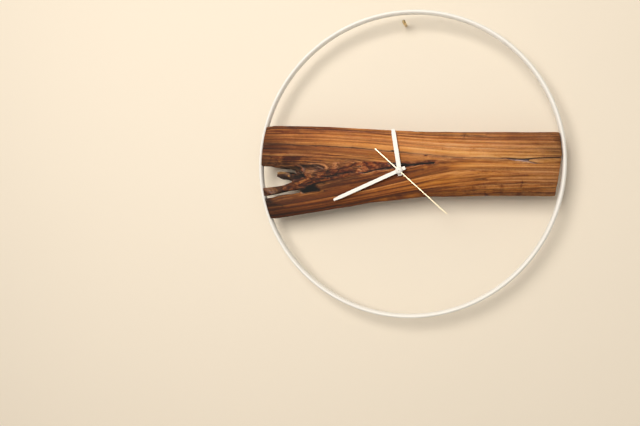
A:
h=11 m=41 s=22
